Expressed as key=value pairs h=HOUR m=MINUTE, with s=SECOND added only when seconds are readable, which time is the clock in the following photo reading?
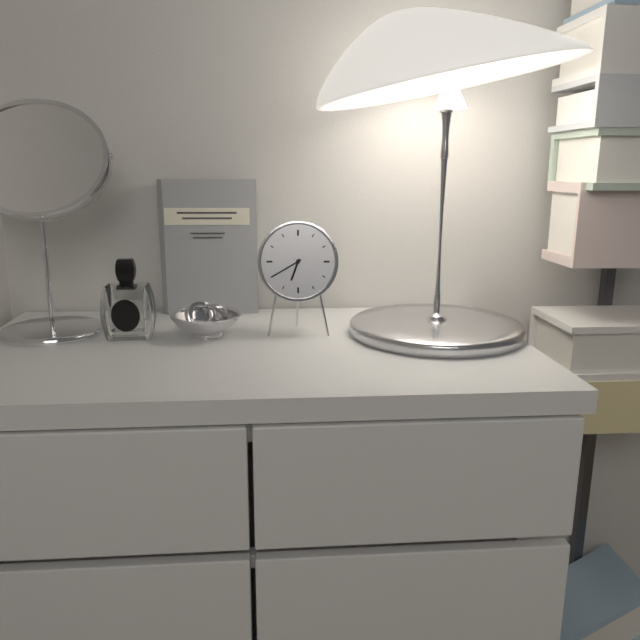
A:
h=6 m=40
